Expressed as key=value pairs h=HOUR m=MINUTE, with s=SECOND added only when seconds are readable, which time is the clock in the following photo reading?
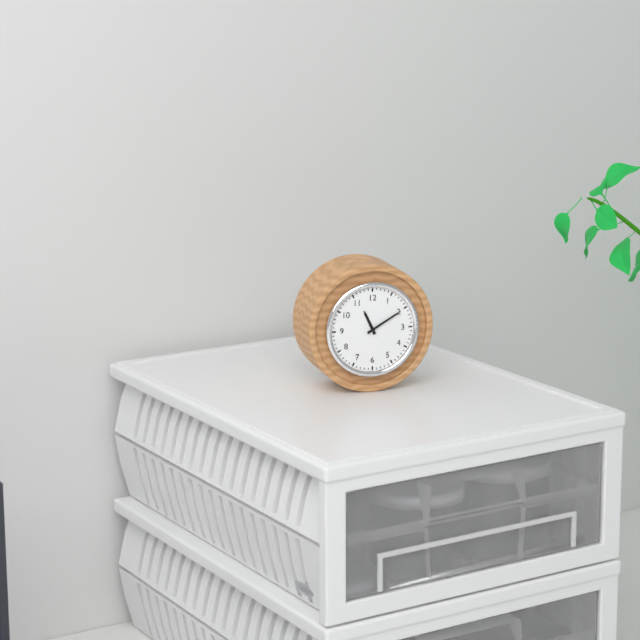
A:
h=11 m=10
